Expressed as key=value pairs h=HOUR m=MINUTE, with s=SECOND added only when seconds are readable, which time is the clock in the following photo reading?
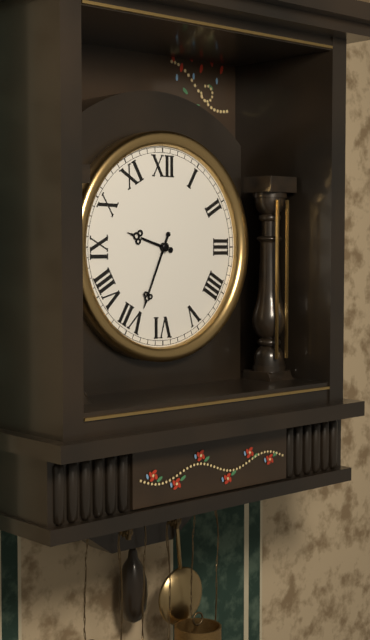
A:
h=9 m=34
